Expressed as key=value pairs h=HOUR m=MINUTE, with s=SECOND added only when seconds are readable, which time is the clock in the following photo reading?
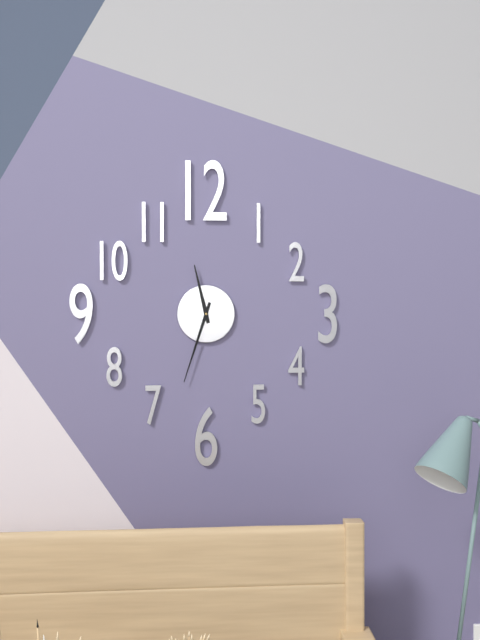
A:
h=11 m=33
